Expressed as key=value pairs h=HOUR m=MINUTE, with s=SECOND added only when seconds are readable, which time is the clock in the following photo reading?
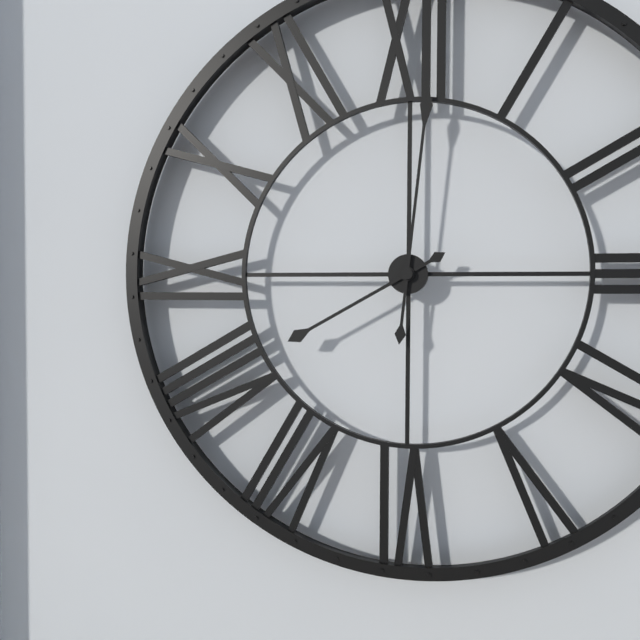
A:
h=8 m=1
